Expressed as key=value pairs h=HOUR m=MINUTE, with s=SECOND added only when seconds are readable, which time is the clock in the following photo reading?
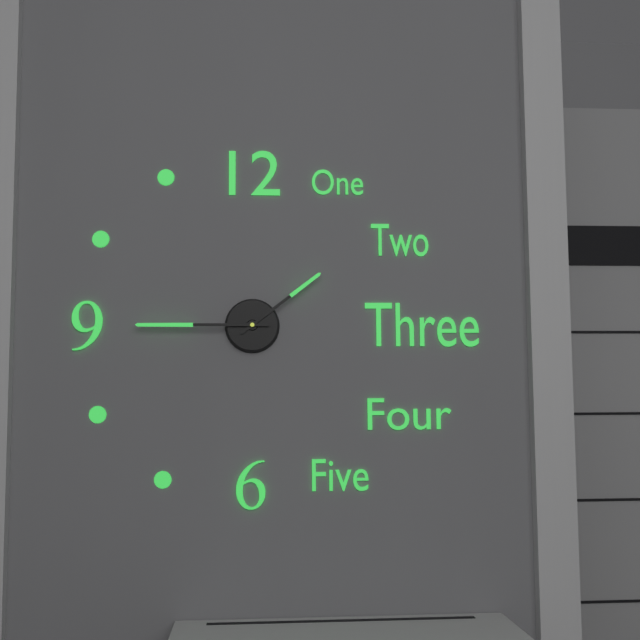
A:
h=1 m=45
